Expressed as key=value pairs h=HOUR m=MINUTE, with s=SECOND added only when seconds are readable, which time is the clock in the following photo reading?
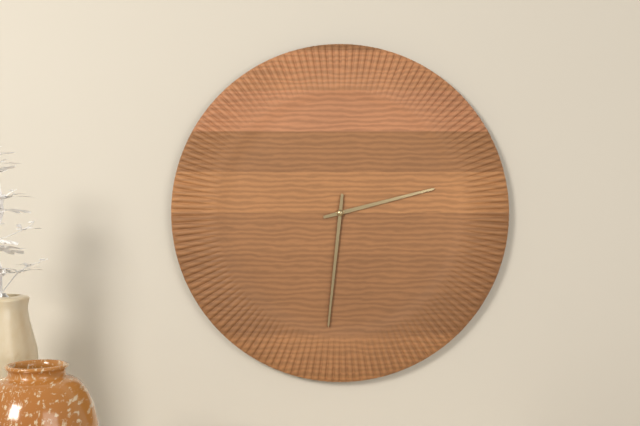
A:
h=2 m=31
